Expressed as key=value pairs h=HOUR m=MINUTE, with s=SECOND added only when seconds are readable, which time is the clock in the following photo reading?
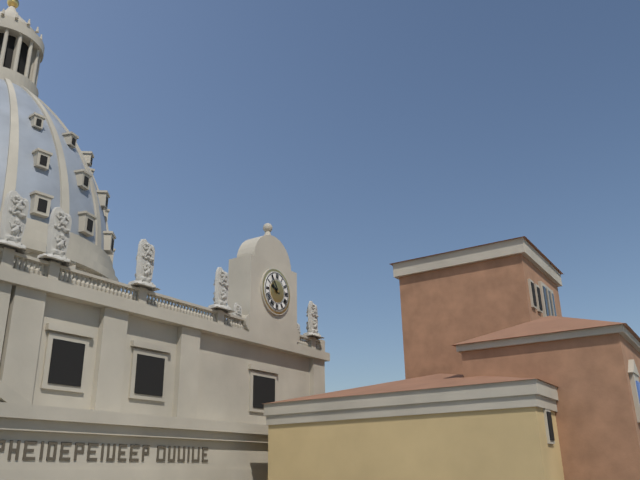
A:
h=9 m=54
